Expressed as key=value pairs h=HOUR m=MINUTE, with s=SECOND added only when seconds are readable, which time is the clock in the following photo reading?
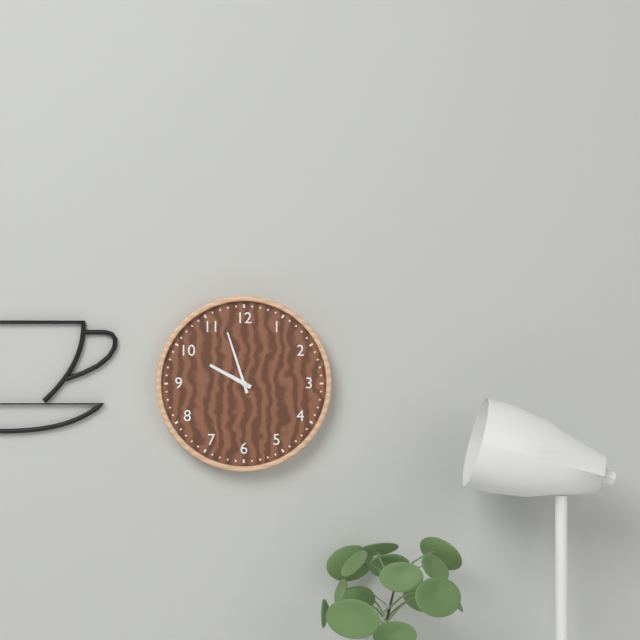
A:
h=9 m=57
